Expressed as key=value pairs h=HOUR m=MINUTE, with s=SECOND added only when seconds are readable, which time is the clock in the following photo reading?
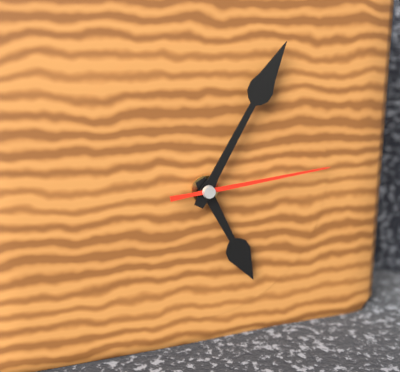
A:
h=5 m=5 s=14
